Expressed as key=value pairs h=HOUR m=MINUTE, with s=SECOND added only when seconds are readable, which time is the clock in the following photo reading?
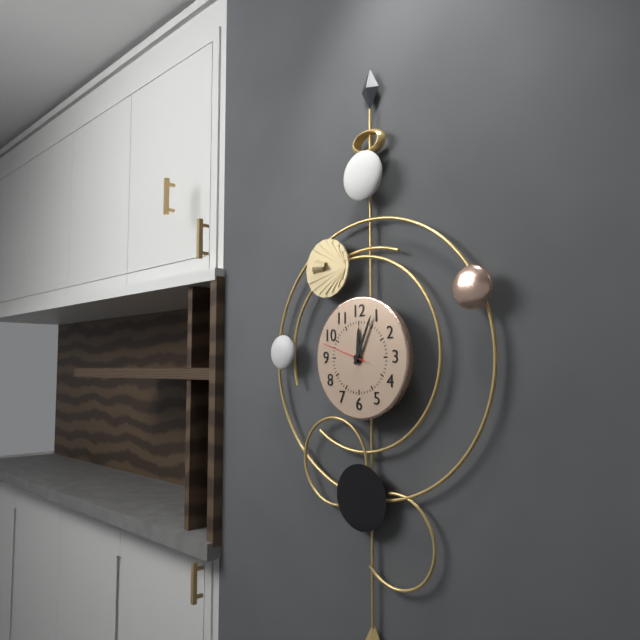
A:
h=12 m=4
